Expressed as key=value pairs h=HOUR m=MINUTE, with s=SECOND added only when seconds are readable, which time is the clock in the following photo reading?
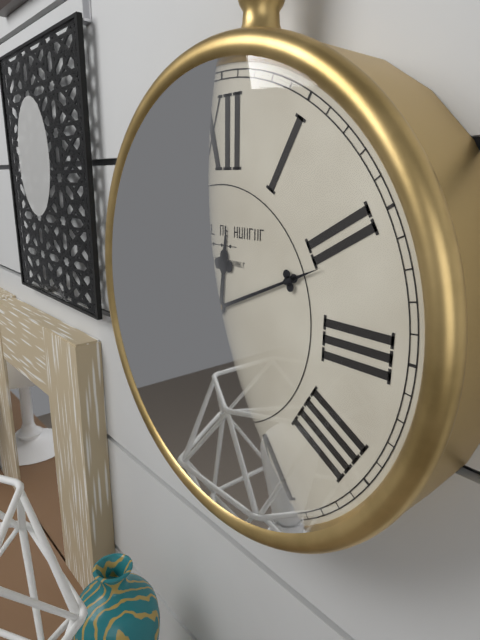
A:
h=12 m=11
